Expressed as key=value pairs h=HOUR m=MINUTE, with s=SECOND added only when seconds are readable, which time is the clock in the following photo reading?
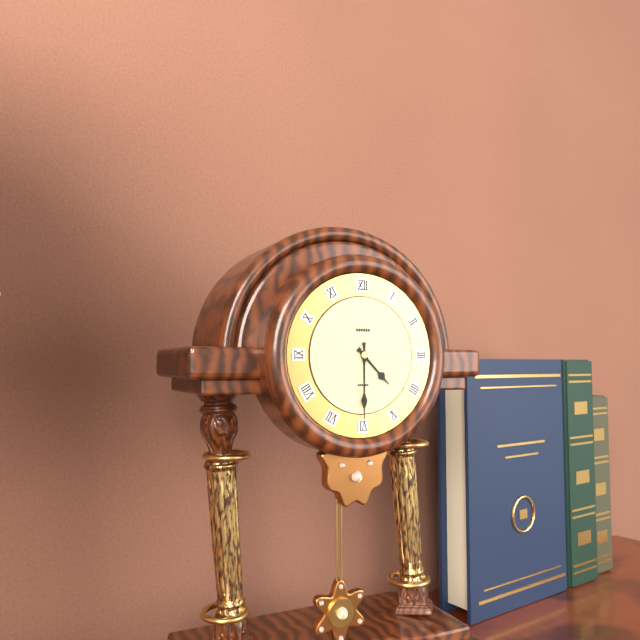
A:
h=4 m=30
